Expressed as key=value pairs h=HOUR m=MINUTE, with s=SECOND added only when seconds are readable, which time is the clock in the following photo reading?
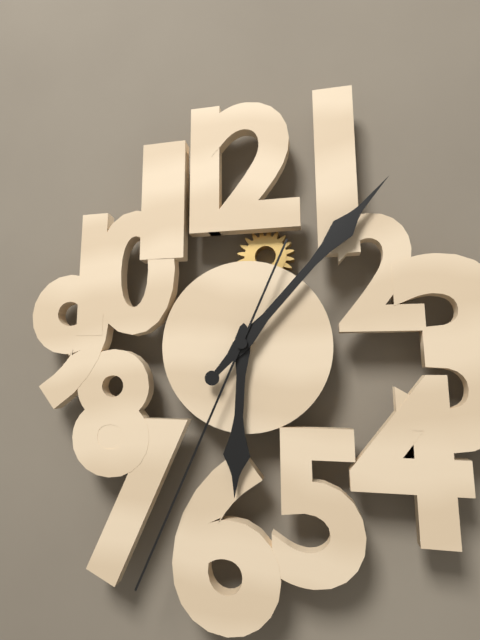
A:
h=6 m=7 s=34
